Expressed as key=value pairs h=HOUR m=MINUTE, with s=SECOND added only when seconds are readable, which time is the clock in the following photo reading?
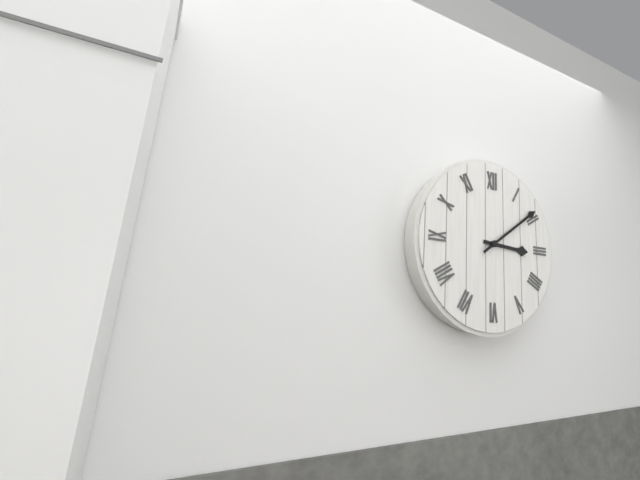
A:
h=3 m=9
